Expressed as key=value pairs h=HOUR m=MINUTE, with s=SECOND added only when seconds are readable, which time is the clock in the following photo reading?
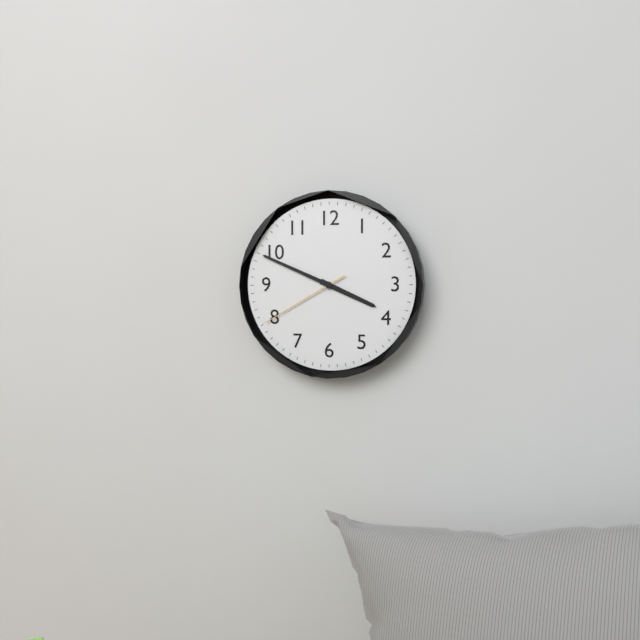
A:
h=3 m=49 s=40
